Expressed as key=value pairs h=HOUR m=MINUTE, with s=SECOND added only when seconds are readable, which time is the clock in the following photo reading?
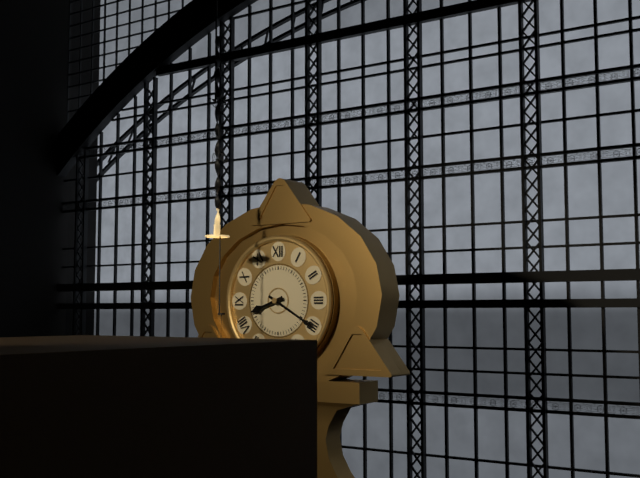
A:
h=8 m=20
